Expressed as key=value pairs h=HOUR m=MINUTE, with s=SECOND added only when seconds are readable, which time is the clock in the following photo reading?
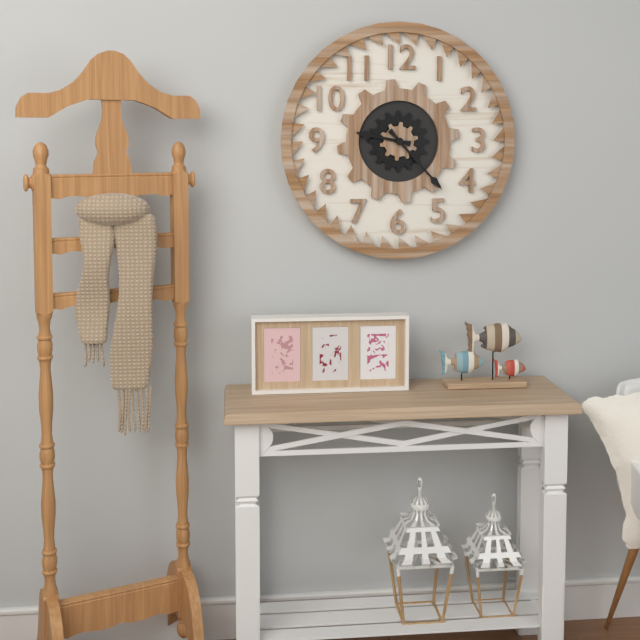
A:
h=9 m=23
